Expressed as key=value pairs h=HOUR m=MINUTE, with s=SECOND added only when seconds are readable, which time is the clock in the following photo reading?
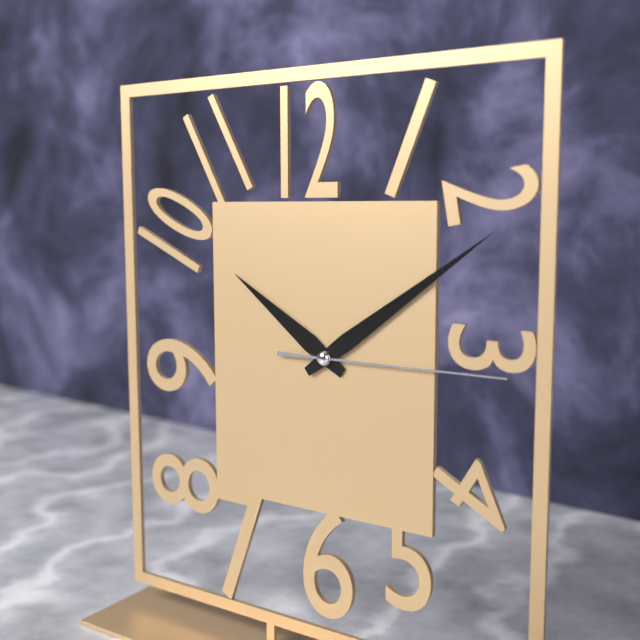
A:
h=10 m=9 s=15
